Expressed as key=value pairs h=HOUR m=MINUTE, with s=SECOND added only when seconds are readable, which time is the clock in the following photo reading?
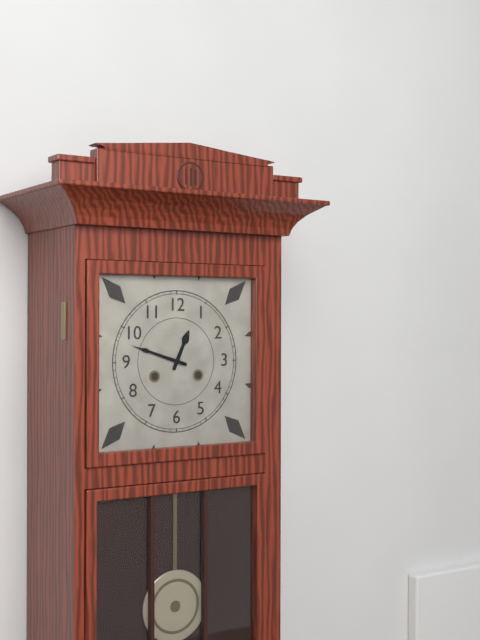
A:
h=12 m=48
